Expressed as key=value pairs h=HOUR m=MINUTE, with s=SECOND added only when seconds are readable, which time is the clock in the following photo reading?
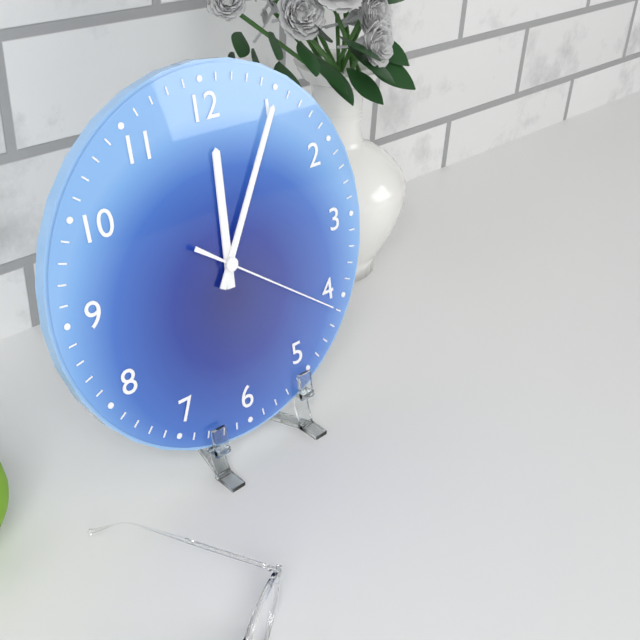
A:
h=12 m=5 s=21
